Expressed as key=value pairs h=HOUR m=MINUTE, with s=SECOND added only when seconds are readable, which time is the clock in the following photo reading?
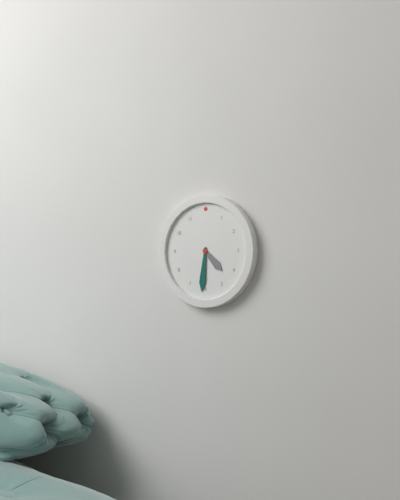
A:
h=4 m=31
